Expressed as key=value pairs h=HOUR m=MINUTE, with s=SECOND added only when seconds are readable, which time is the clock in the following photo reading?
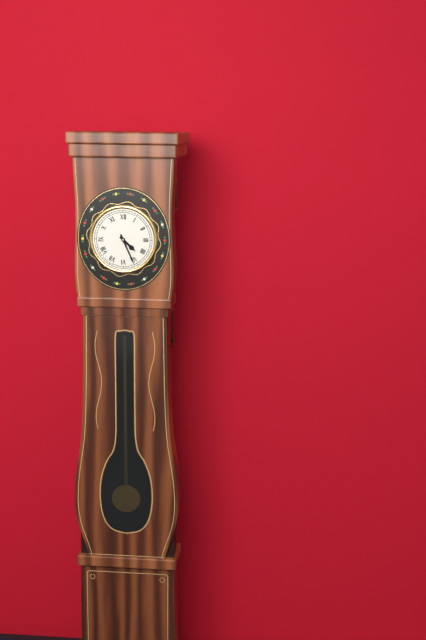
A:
h=4 m=26
